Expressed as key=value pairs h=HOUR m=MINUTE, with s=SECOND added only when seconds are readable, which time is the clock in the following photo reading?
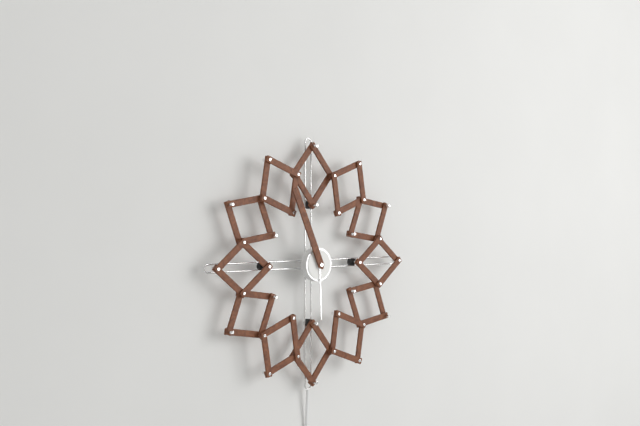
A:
h=5 m=56
